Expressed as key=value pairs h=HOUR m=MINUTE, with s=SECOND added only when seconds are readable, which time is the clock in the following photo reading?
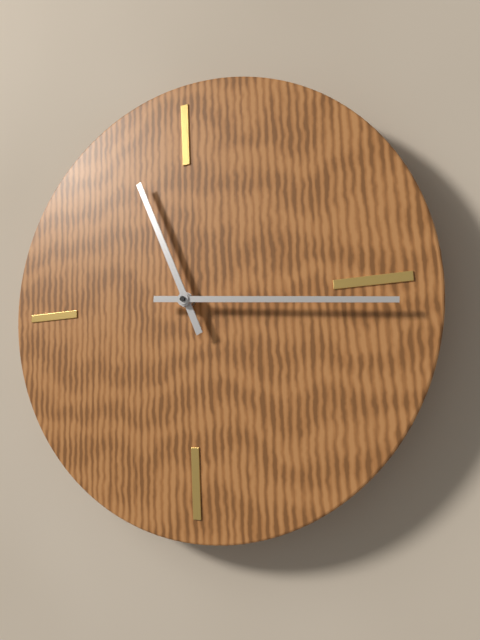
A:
h=11 m=16
